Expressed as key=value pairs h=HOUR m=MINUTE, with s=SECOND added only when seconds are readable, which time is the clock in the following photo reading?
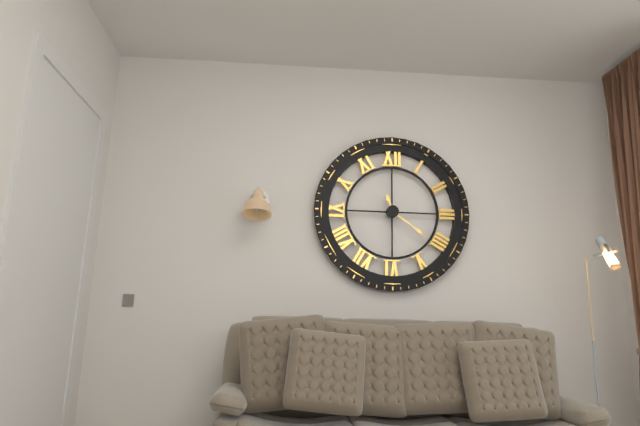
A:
h=11 m=21
